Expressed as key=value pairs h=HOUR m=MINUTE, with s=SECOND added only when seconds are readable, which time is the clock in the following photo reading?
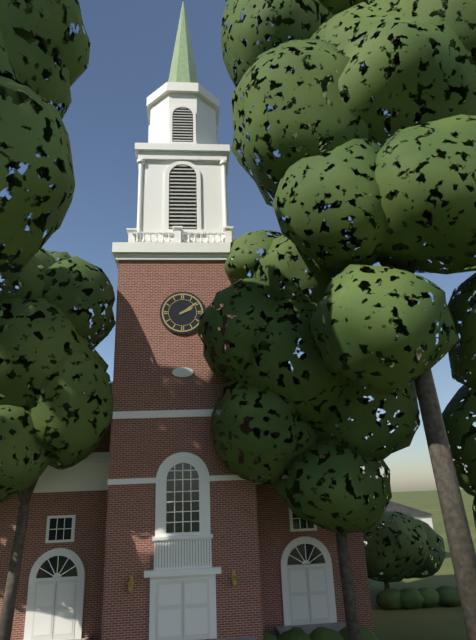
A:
h=2 m=9
